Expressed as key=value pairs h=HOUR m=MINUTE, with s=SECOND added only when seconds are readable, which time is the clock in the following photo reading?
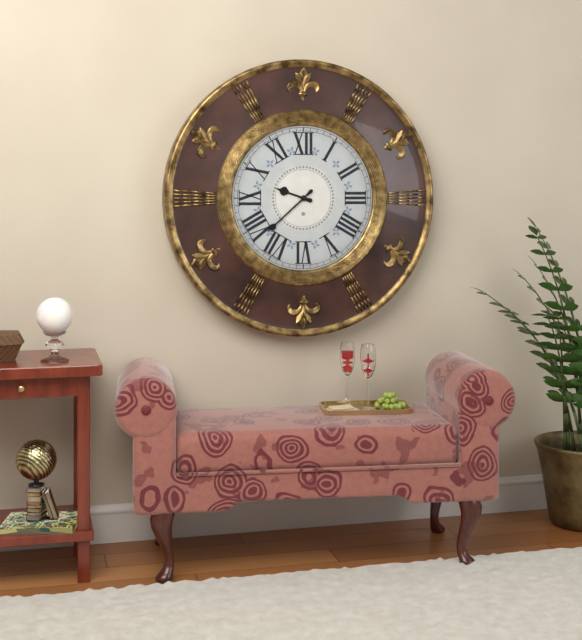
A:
h=9 m=38
